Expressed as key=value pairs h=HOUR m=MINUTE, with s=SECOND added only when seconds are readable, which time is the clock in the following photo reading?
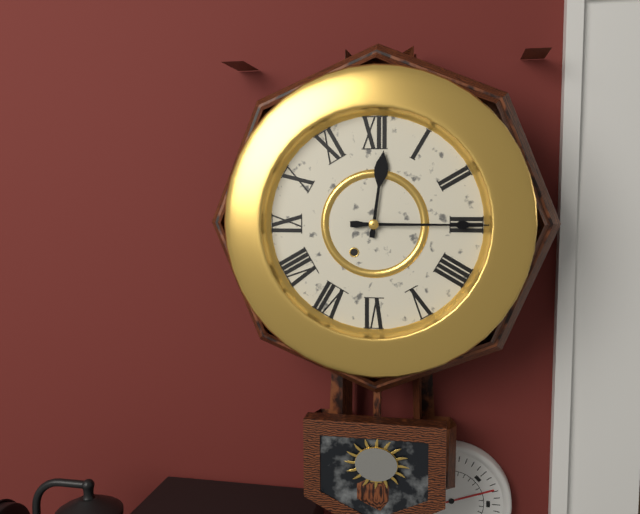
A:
h=12 m=15
